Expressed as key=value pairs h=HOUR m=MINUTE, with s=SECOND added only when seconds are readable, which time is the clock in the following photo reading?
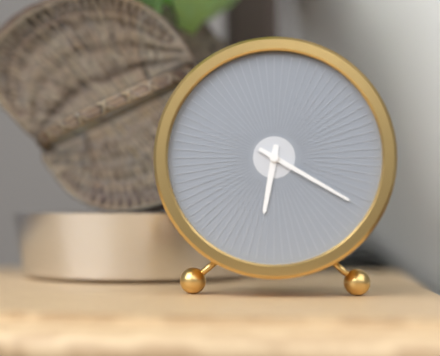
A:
h=6 m=20
